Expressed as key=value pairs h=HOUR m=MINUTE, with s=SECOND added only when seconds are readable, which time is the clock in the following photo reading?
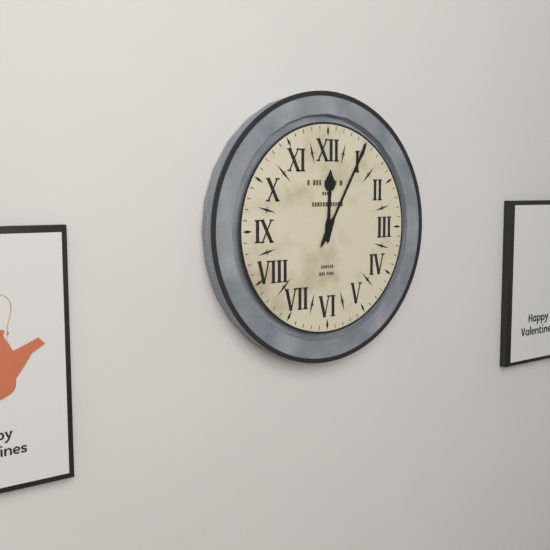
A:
h=12 m=5
